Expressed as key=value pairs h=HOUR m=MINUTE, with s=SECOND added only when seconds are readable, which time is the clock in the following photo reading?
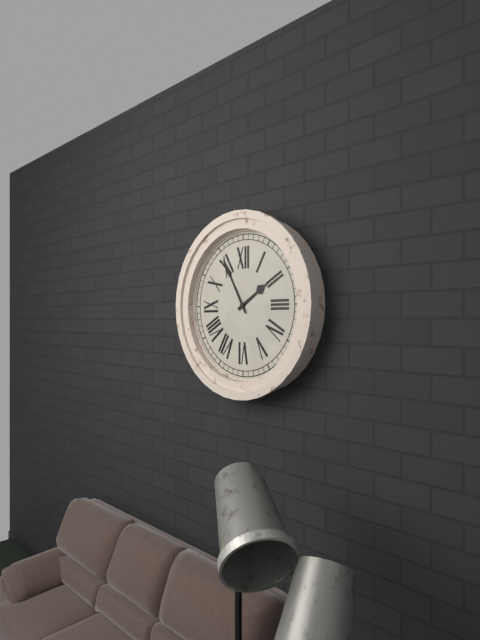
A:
h=1 m=55
